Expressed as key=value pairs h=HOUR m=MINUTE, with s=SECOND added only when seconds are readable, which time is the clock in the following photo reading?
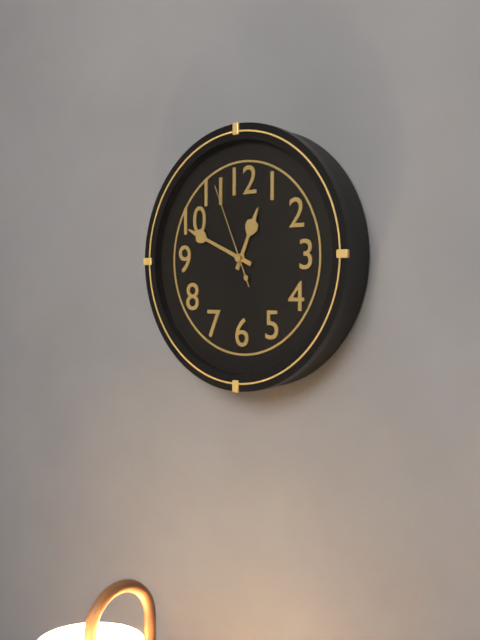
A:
h=12 m=49 s=56
